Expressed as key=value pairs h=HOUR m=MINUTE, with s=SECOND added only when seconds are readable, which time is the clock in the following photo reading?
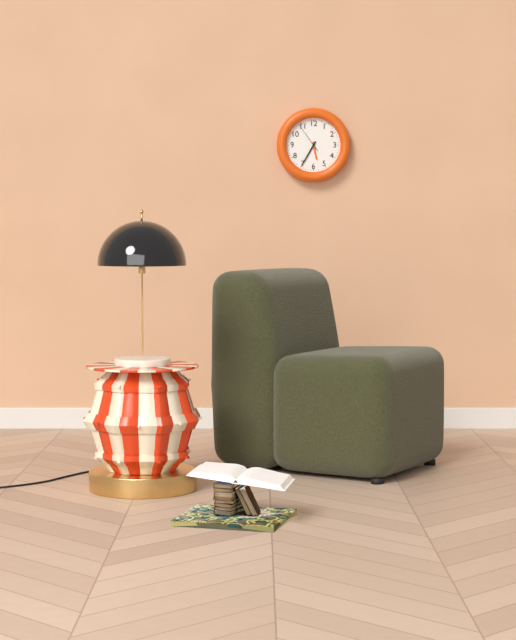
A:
h=5 m=35
